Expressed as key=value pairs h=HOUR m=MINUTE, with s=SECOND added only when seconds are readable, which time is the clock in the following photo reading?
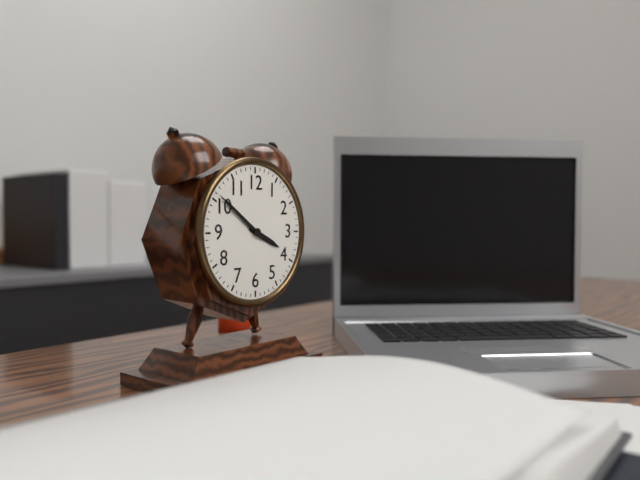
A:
h=3 m=51
